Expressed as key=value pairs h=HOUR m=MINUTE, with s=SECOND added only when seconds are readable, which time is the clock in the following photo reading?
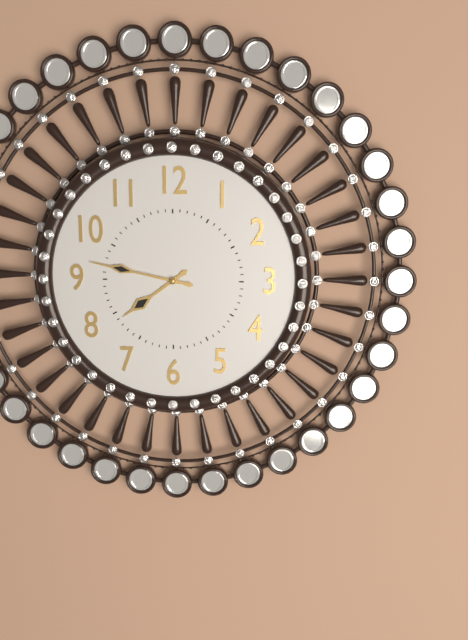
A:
h=7 m=47
